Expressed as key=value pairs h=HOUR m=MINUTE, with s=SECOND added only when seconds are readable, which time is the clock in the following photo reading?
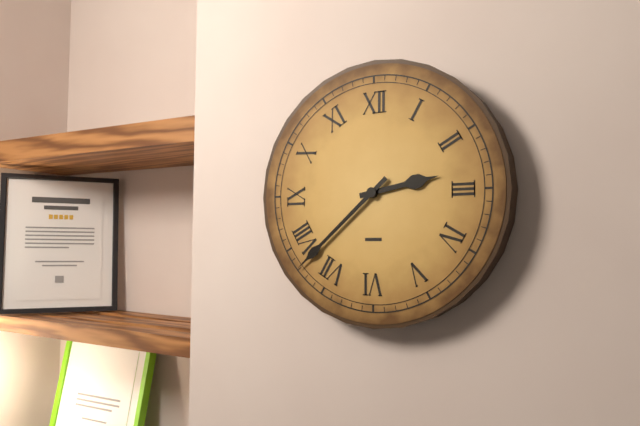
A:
h=2 m=38
